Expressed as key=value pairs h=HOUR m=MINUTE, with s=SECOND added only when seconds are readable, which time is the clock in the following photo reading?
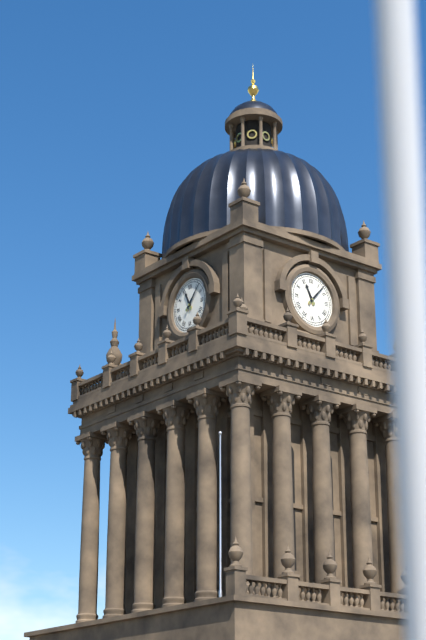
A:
h=11 m=7
